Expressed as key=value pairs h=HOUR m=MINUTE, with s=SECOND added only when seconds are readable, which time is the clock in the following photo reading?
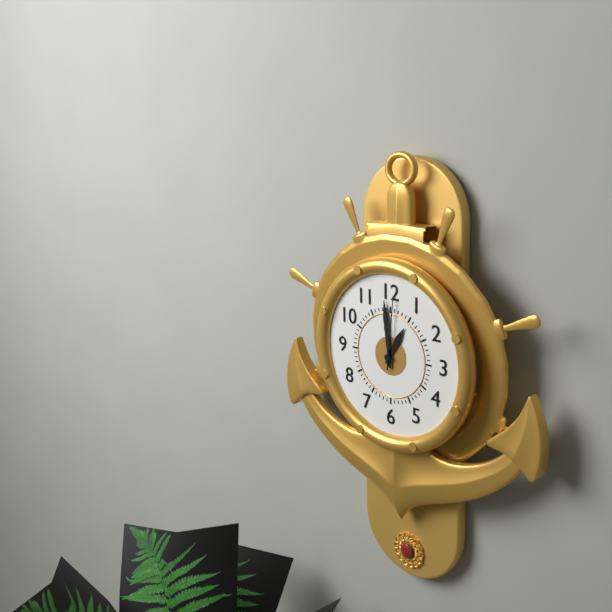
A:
h=12 m=59 s=1
